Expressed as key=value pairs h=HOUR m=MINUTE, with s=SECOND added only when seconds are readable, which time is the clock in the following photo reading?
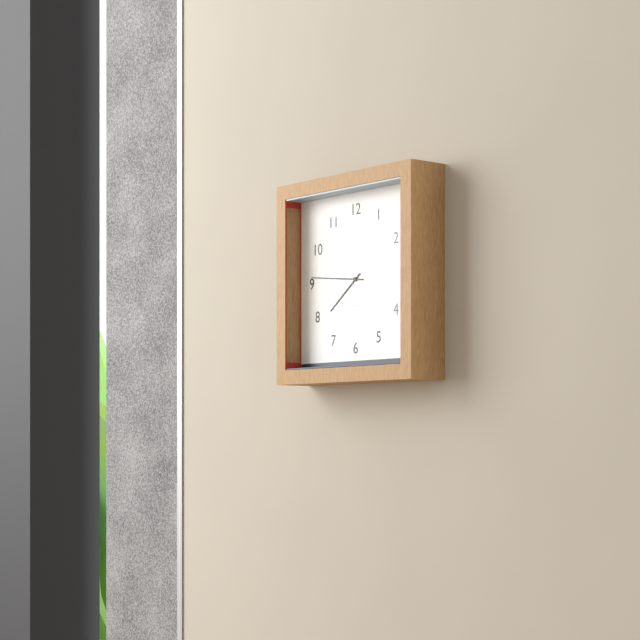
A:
h=7 m=46
